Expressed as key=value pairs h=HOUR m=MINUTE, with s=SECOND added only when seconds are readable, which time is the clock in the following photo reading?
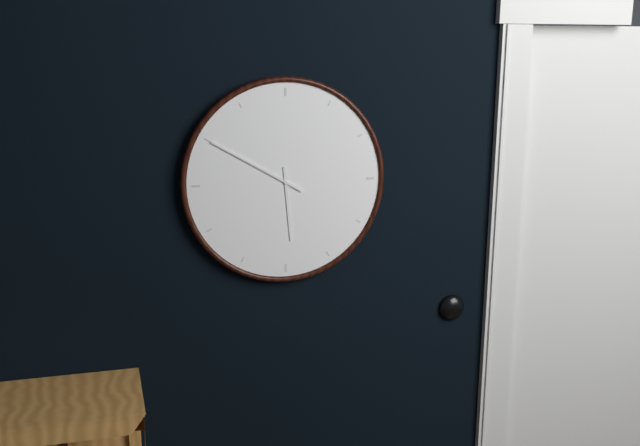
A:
h=5 m=50
